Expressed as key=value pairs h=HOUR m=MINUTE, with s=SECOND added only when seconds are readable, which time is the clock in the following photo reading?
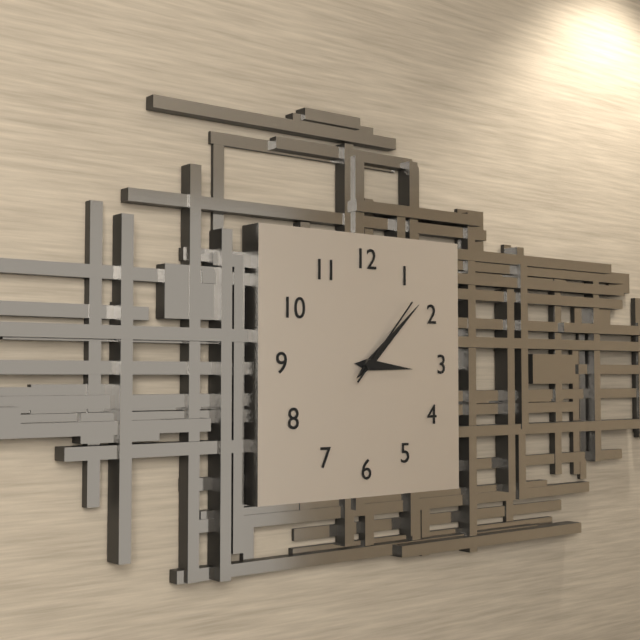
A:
h=3 m=8 s=7
